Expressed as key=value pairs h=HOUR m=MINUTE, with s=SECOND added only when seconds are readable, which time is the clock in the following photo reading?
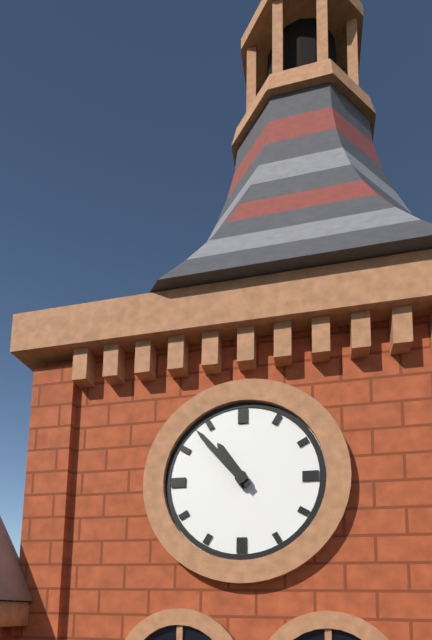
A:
h=10 m=53
